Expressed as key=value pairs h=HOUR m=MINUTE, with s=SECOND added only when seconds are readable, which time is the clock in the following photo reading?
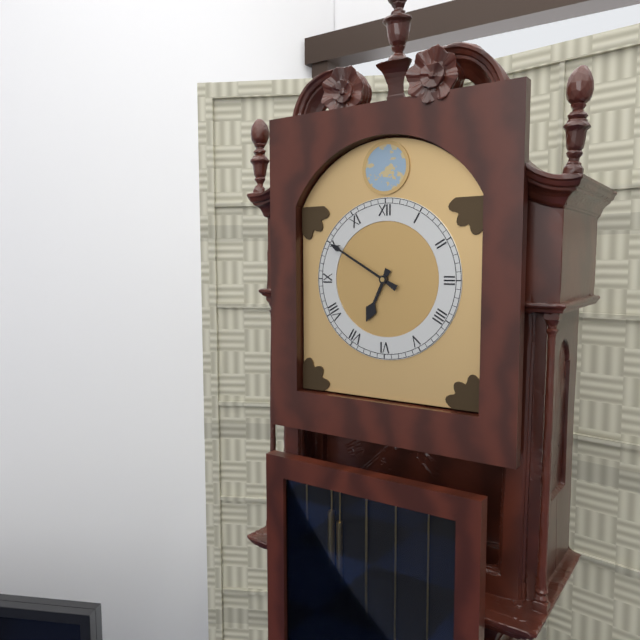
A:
h=6 m=50
